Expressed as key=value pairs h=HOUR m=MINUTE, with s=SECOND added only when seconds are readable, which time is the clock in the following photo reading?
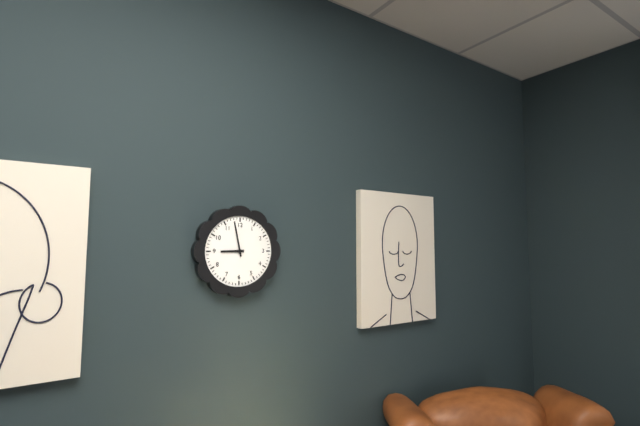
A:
h=8 m=58
